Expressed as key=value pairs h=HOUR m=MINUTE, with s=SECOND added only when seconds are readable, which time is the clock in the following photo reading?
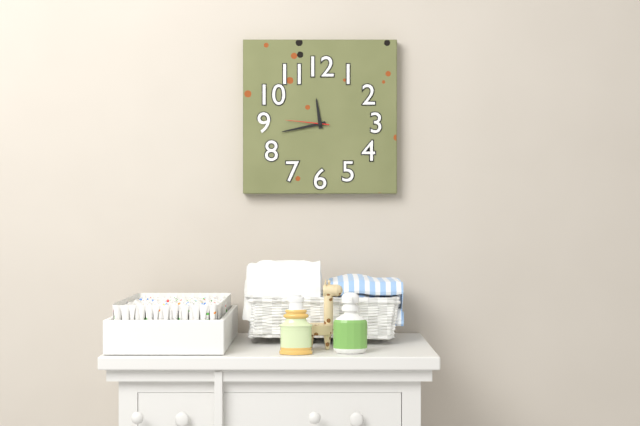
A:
h=11 m=43
